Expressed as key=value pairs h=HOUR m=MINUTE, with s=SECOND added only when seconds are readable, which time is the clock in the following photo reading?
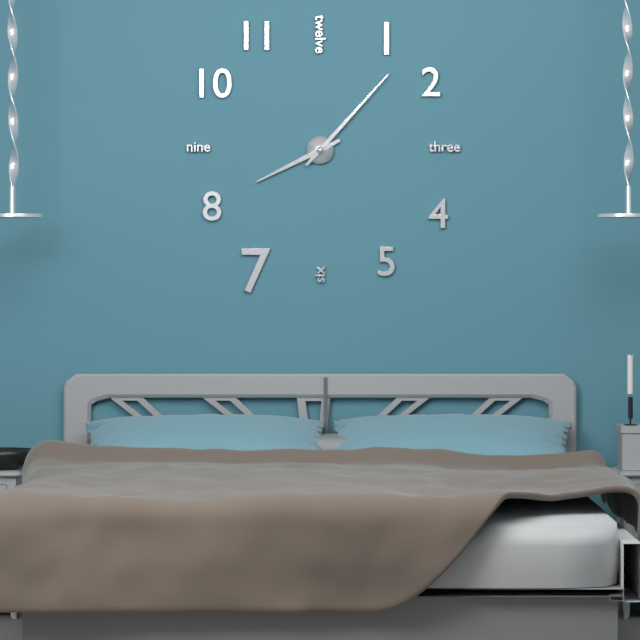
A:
h=8 m=7
